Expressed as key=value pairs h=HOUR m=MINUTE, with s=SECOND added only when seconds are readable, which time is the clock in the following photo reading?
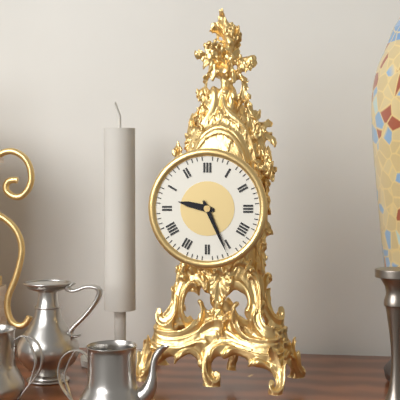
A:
h=9 m=26
